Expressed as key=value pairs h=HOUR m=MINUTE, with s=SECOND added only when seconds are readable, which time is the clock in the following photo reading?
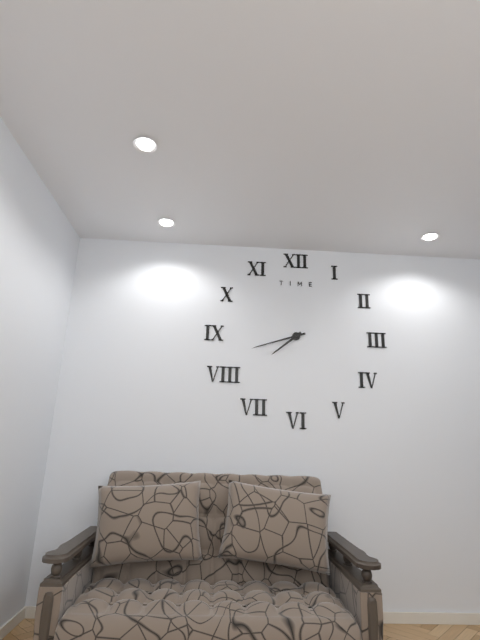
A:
h=7 m=42
